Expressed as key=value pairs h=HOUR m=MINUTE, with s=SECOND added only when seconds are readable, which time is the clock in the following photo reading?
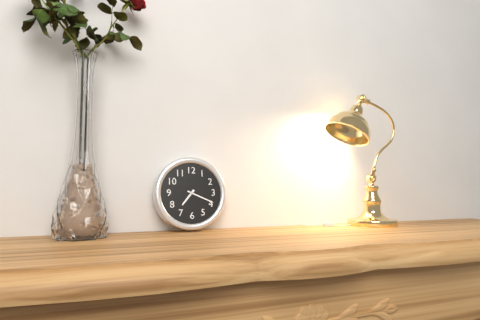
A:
h=7 m=19
